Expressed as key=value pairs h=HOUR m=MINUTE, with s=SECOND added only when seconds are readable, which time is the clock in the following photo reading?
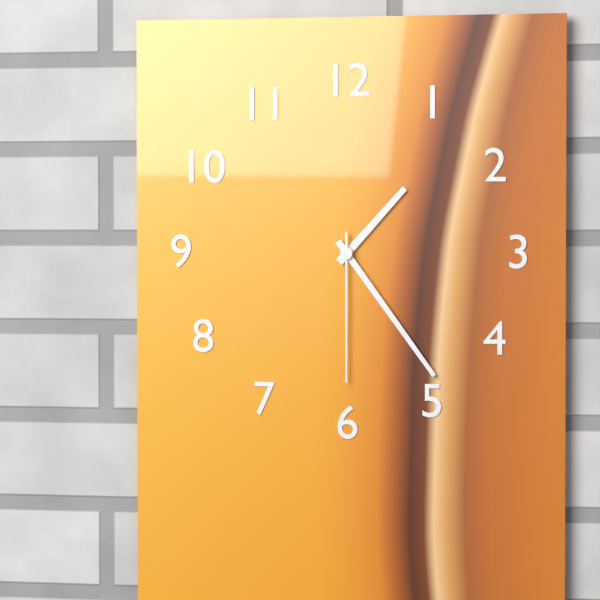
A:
h=1 m=24 s=30
